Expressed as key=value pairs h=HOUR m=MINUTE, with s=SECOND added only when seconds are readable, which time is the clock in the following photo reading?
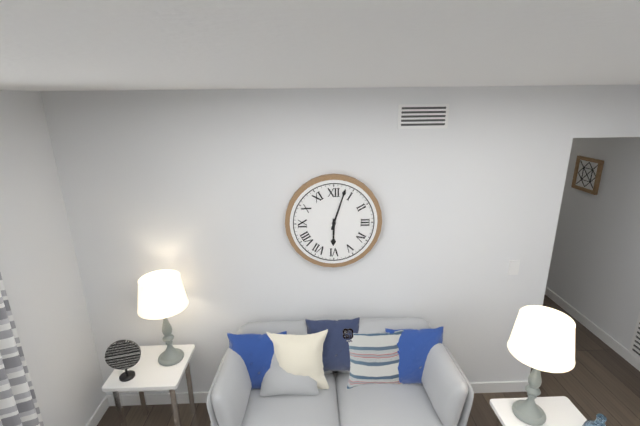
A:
h=6 m=3
